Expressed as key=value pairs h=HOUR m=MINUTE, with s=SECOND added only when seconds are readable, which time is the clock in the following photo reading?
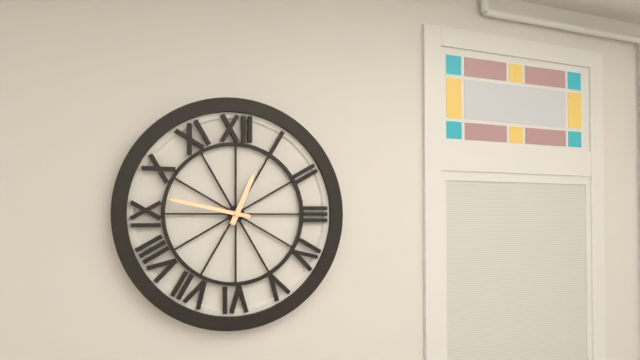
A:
h=12 m=47
